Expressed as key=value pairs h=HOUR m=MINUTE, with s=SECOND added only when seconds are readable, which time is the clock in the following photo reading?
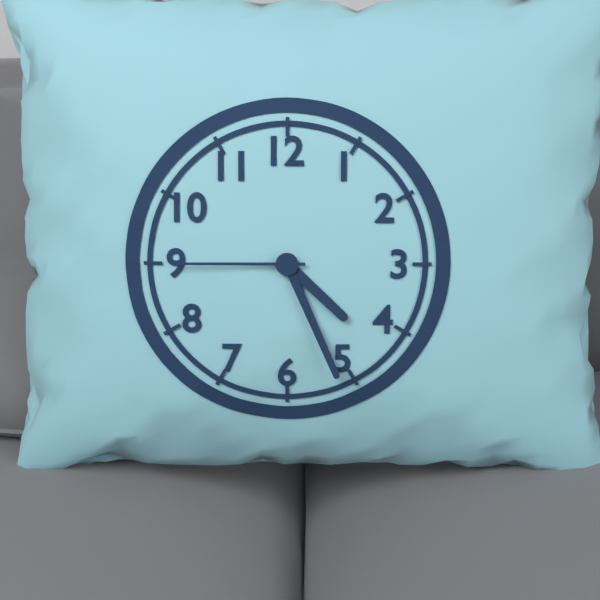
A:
h=4 m=26 s=45
